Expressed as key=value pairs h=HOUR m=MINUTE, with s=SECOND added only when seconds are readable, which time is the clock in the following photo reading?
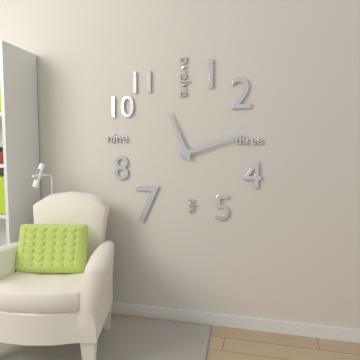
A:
h=11 m=12
